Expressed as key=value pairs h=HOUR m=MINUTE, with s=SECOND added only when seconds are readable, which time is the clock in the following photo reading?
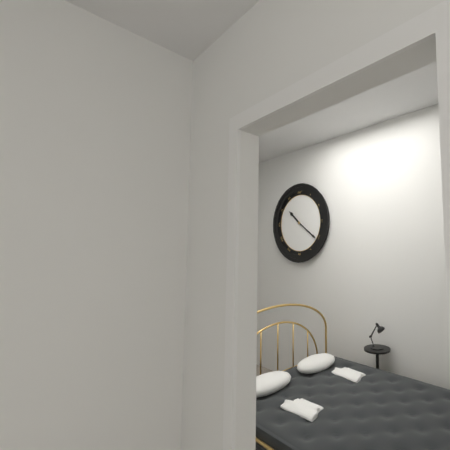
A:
h=10 m=21
